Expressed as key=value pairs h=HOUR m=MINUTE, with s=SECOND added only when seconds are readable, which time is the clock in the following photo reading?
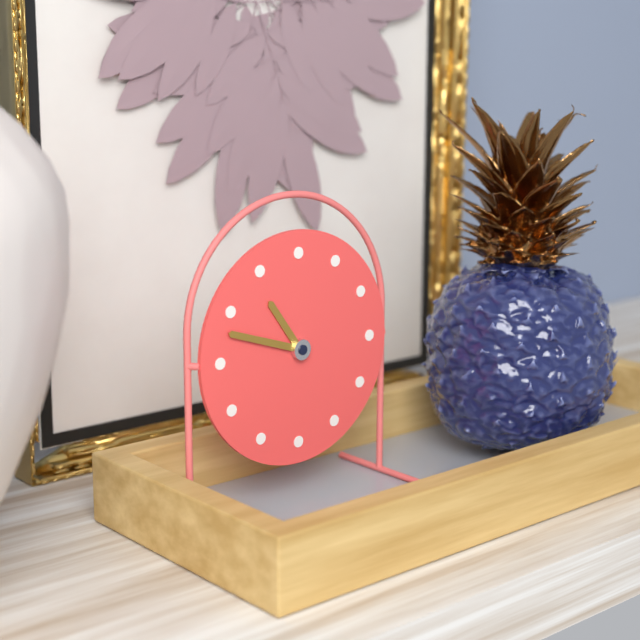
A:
h=10 m=48
